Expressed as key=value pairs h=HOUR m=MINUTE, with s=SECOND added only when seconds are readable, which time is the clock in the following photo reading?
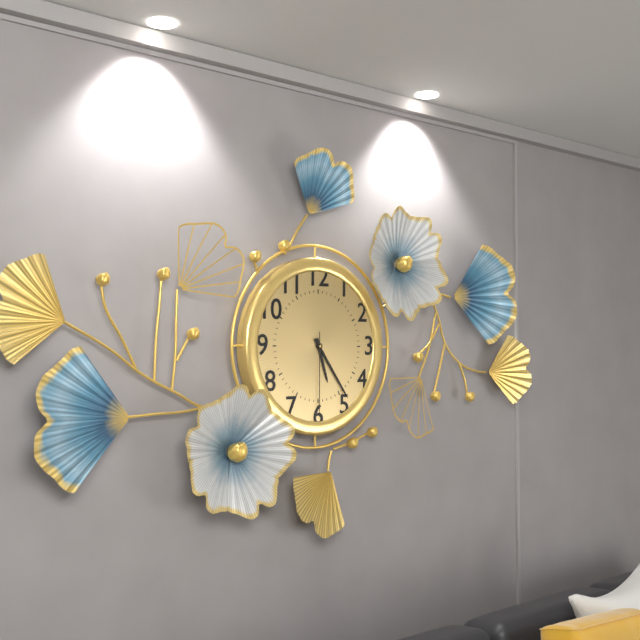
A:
h=5 m=24 s=30
